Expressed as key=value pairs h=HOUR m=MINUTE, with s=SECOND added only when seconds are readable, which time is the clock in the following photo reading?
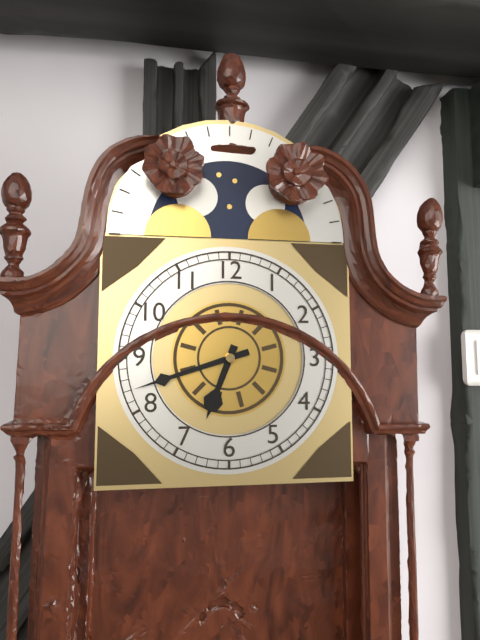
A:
h=6 m=42
